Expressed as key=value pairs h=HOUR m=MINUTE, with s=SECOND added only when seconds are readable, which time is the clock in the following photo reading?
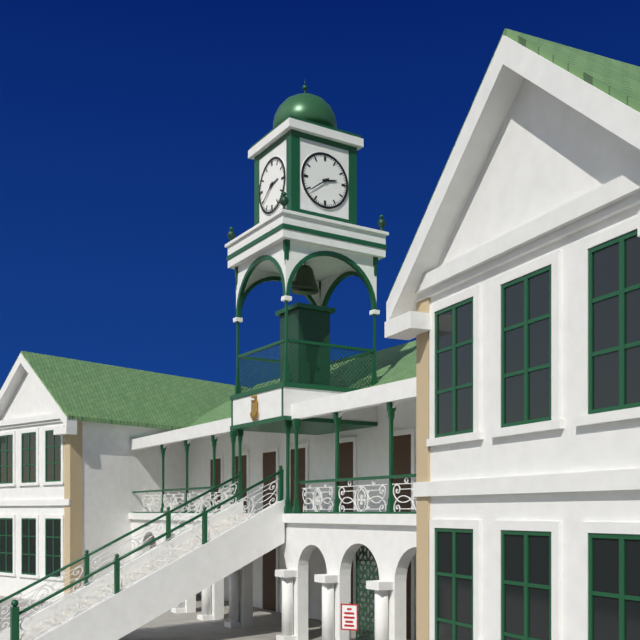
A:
h=2 m=39
